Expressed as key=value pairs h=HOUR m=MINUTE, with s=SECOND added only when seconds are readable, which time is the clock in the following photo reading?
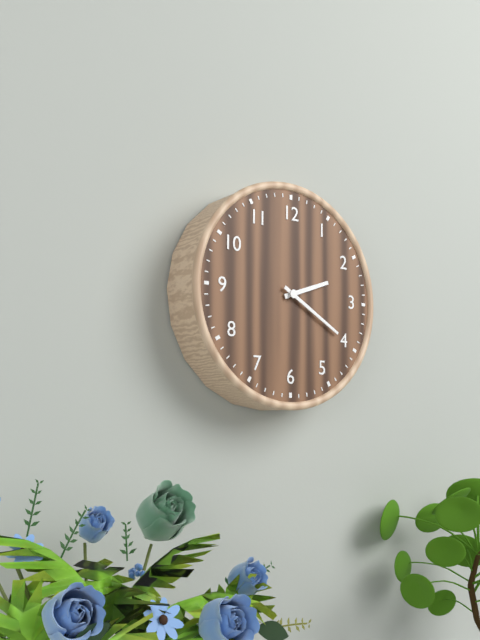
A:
h=2 m=20
